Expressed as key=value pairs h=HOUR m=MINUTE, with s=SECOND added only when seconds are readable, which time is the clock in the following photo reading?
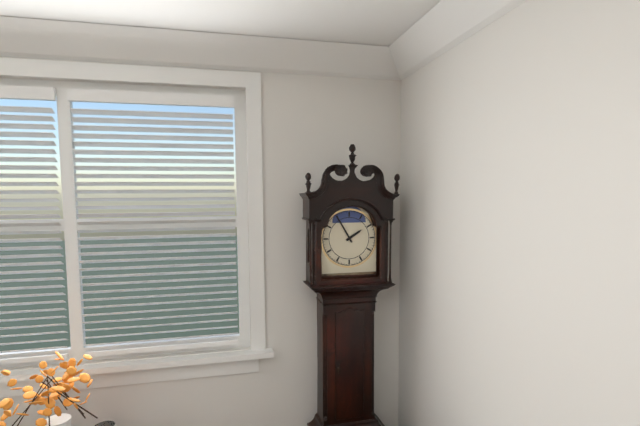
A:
h=1 m=55
